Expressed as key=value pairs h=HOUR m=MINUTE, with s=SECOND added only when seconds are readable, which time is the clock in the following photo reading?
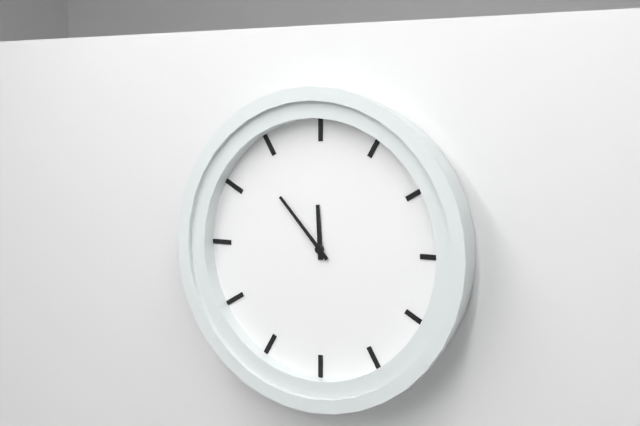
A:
h=11 m=53
